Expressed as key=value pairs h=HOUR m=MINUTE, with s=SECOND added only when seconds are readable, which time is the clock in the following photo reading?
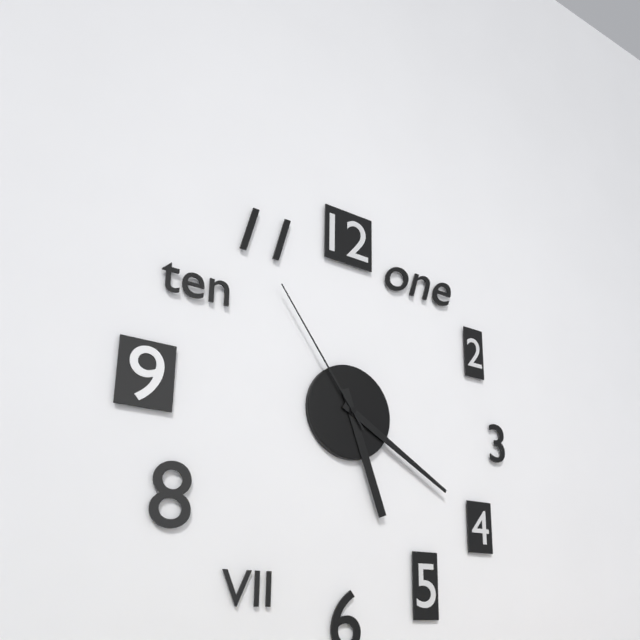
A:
h=5 m=20 s=54
